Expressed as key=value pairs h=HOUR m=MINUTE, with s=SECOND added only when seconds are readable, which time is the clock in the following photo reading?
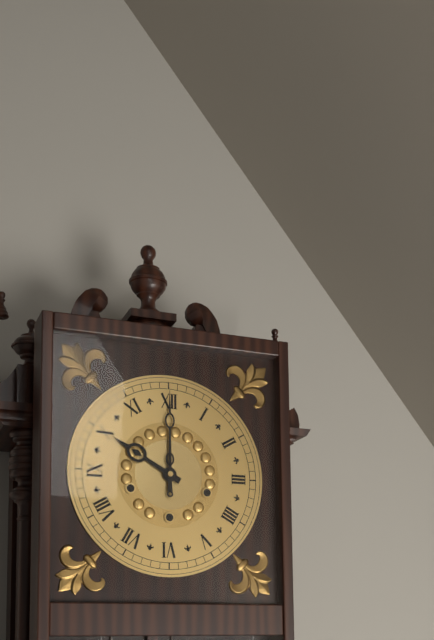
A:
h=10 m=0
